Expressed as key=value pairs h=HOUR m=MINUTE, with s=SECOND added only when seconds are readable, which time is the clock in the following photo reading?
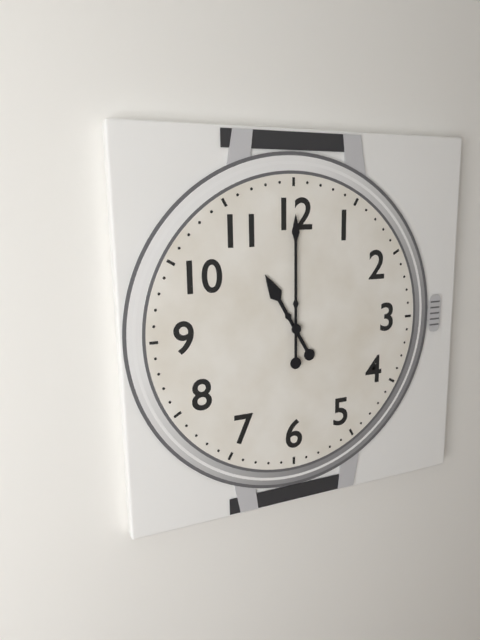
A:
h=11 m=0
